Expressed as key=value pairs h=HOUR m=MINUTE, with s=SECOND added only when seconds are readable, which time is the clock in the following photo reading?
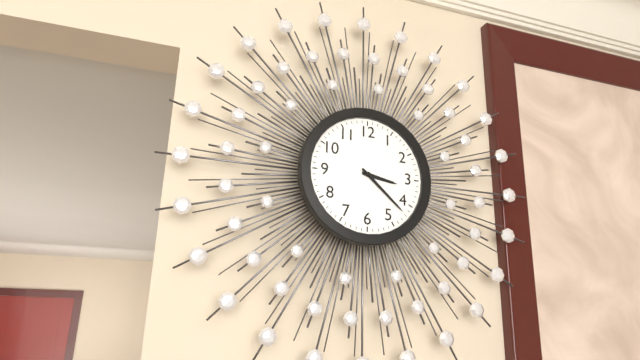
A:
h=3 m=22
